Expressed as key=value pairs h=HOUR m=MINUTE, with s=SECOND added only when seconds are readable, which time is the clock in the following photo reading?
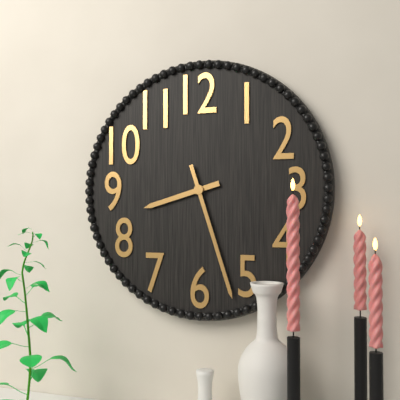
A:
h=8 m=27
